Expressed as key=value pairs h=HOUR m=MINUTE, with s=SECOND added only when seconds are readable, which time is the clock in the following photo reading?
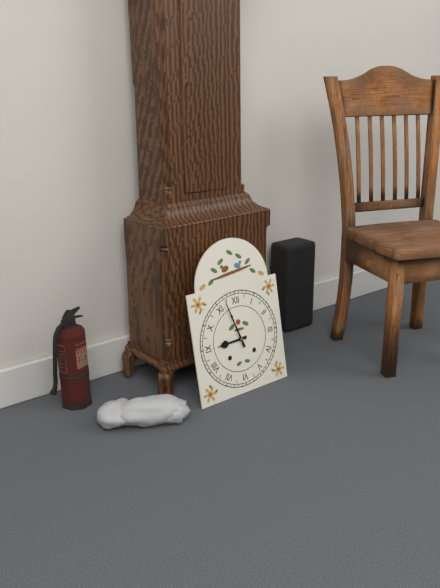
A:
h=8 m=57
